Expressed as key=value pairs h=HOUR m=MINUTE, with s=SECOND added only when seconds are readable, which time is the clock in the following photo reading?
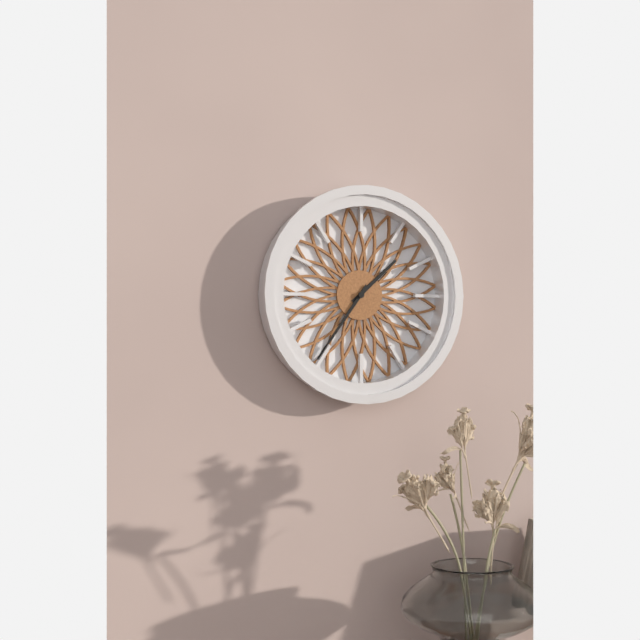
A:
h=1 m=36
